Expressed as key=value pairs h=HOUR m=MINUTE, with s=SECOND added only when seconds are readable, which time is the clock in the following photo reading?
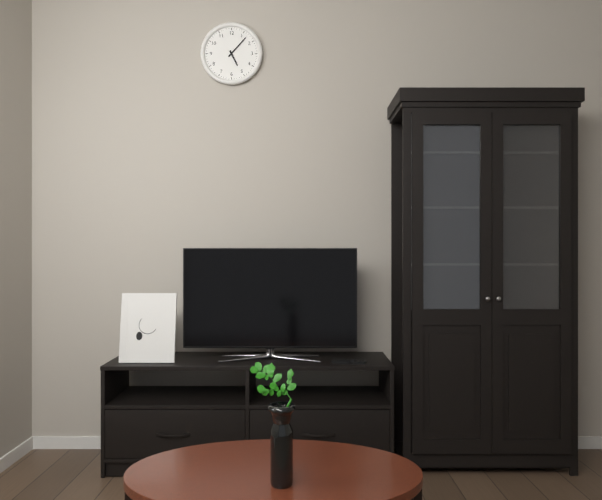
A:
h=5 m=7
